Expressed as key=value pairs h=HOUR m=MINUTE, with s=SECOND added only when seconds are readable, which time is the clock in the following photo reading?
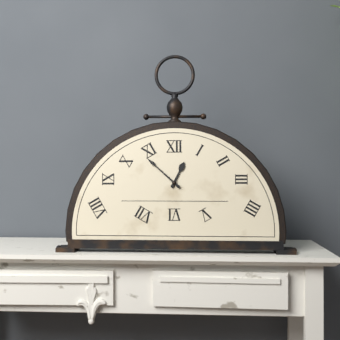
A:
h=12 m=52
